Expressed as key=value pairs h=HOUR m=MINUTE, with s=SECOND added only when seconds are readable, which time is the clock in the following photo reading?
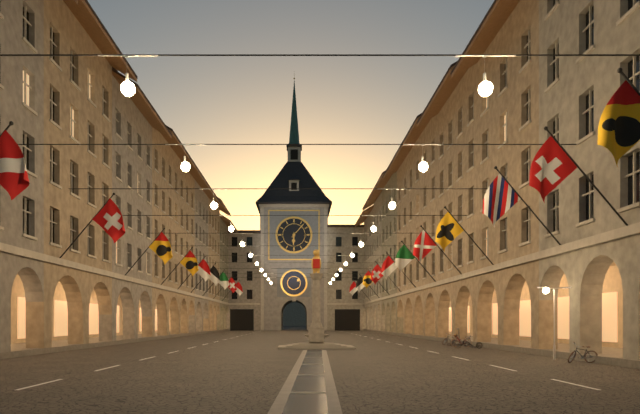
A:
h=6 m=7
